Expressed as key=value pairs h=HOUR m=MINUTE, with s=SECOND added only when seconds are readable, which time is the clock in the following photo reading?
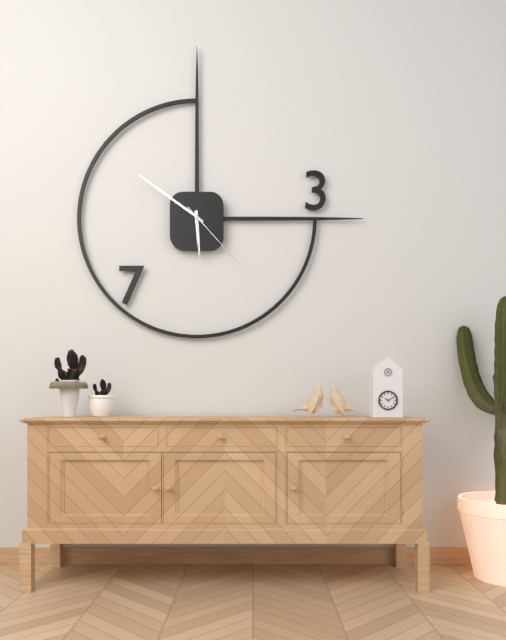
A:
h=5 m=51 s=23
